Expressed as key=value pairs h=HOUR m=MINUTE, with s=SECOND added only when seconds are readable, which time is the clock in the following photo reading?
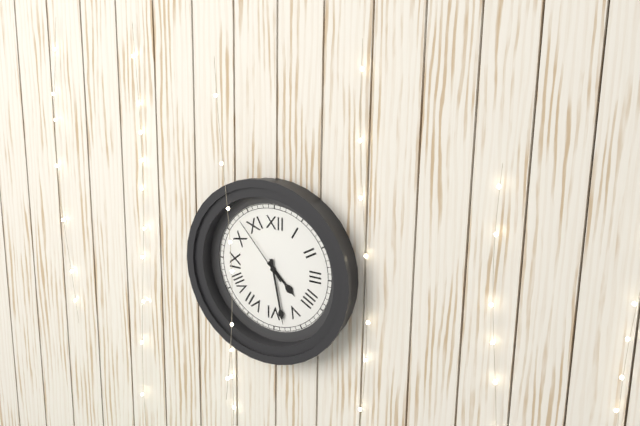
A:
h=4 m=28 s=53
